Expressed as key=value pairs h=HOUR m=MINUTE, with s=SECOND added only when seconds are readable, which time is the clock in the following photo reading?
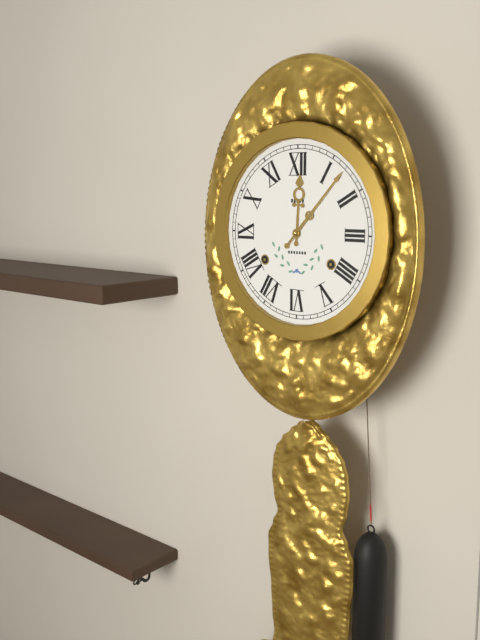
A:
h=12 m=7
